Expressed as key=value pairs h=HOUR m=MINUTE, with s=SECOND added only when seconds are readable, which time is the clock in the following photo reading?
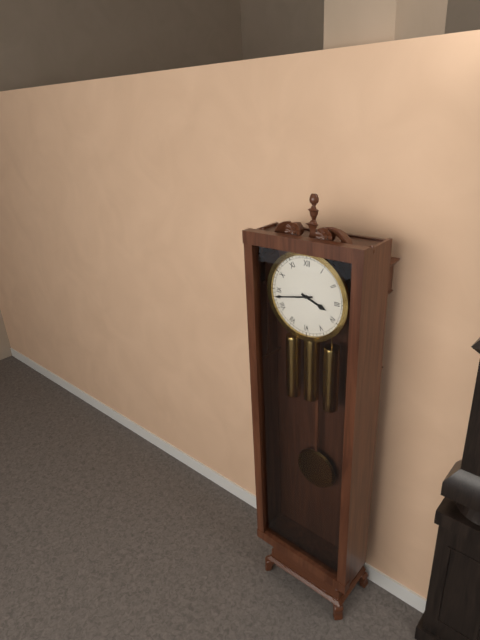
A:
h=3 m=43
